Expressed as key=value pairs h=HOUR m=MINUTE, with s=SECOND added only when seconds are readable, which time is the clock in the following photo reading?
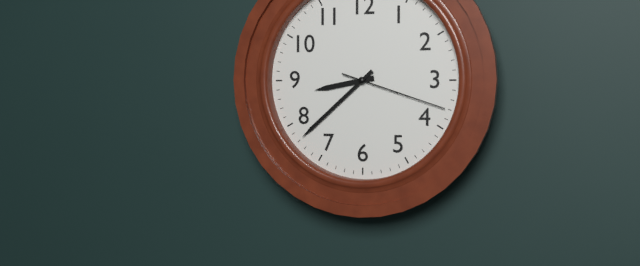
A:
h=8 m=38 s=18
